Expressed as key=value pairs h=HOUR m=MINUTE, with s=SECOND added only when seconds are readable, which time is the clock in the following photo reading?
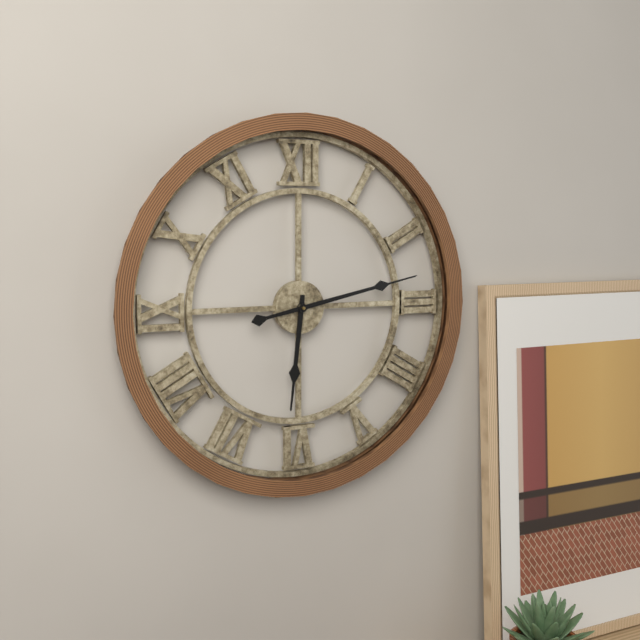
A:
h=6 m=13
